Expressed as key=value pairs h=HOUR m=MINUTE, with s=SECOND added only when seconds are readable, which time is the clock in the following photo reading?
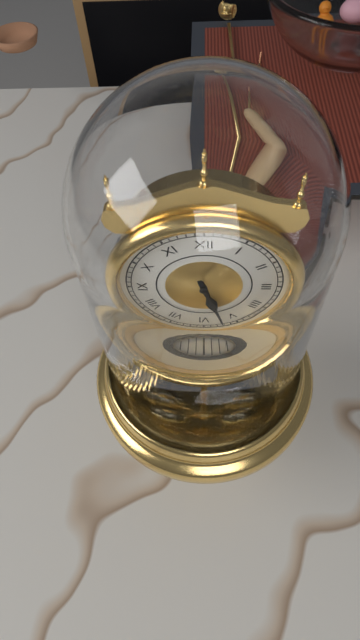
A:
h=5 m=27
